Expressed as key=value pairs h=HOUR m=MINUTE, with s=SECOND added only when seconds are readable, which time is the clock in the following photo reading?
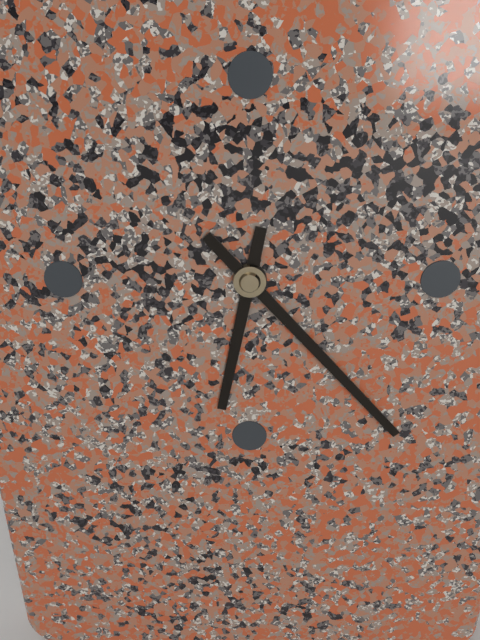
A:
h=6 m=23
